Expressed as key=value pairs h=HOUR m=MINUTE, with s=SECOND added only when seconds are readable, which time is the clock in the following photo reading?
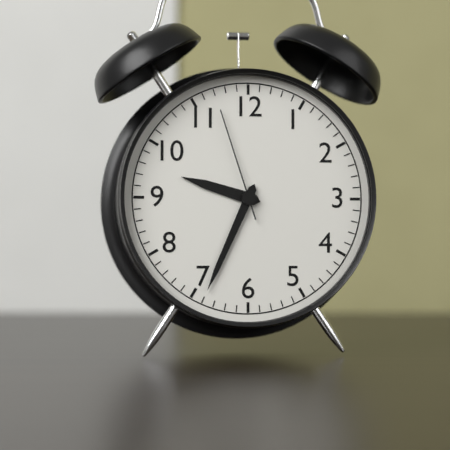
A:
h=9 m=34 s=57
